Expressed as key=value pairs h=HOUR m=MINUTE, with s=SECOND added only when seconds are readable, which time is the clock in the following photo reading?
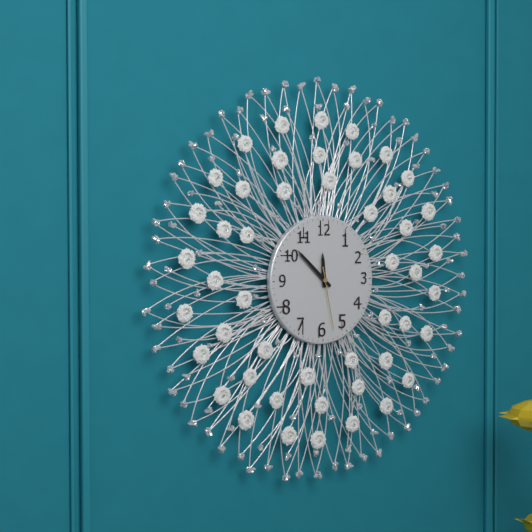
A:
h=11 m=52 s=28
